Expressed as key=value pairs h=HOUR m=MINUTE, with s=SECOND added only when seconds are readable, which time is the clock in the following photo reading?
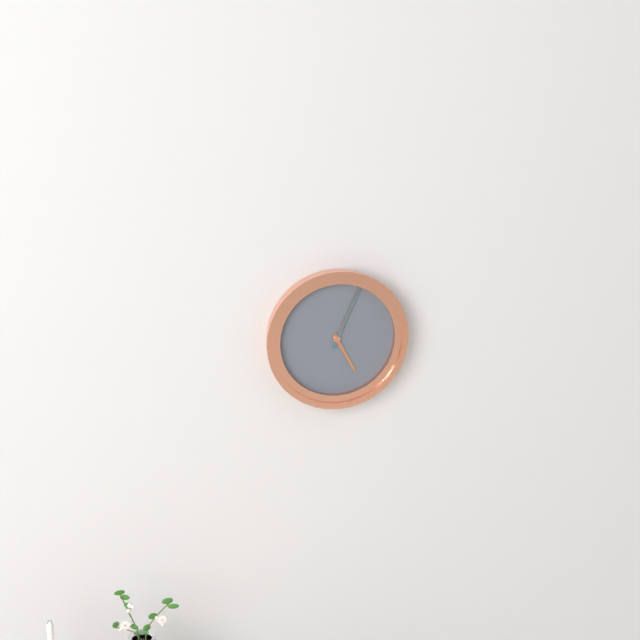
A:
h=5 m=4 s=4
